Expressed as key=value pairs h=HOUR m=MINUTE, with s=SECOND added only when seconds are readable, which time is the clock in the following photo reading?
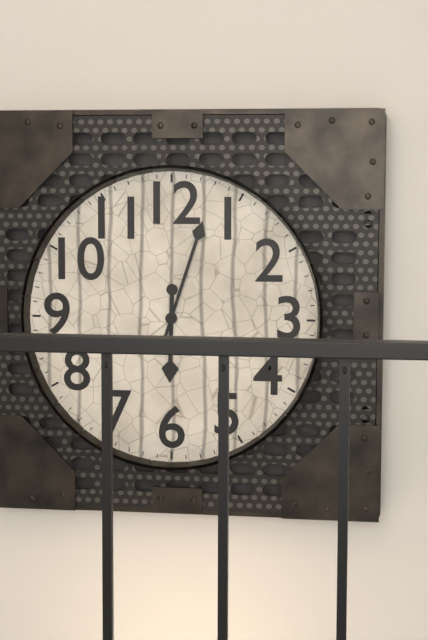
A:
h=6 m=3
